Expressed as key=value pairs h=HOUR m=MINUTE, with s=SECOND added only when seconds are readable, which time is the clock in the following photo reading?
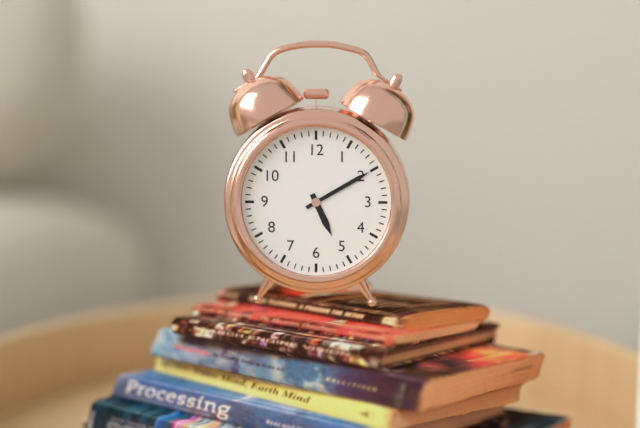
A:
h=5 m=10
